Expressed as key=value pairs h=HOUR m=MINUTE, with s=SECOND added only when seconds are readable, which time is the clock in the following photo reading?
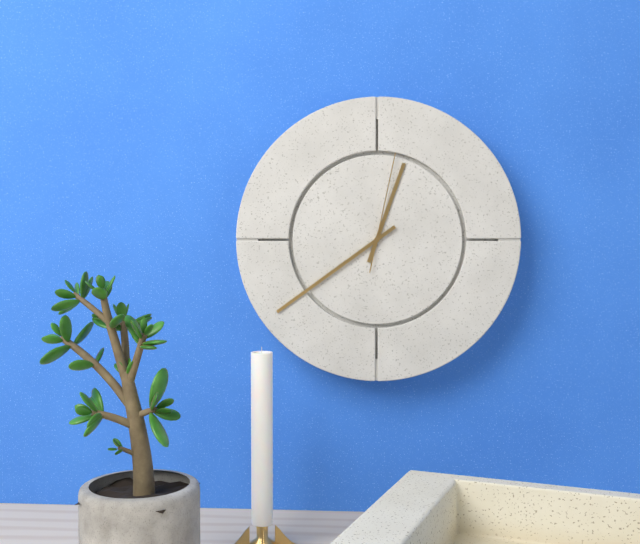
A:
h=12 m=39 s=2
